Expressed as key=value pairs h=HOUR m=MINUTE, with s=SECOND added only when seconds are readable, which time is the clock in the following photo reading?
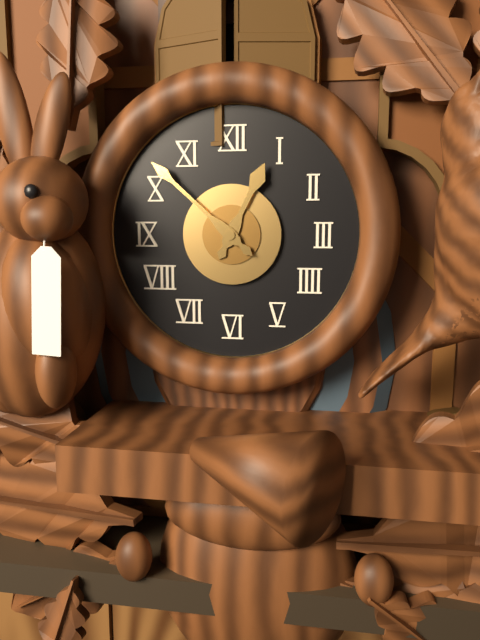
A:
h=12 m=52
